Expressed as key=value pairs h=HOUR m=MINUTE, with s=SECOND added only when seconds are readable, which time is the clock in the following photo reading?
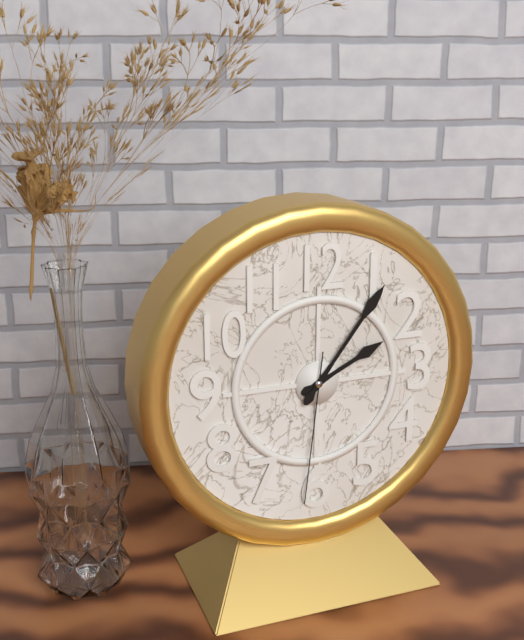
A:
h=2 m=6 s=31
